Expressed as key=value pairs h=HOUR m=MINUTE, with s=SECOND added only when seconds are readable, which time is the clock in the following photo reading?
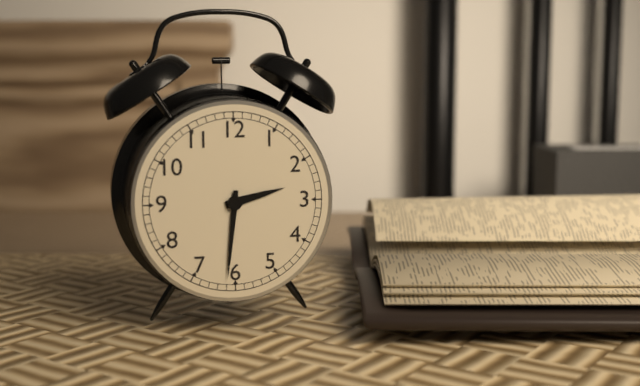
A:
h=2 m=31
